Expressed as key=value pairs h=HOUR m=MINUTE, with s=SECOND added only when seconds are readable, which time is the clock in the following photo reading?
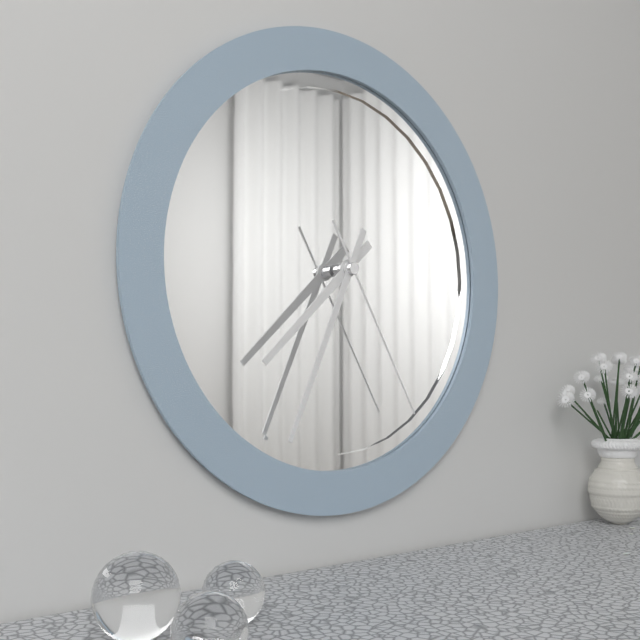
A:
h=7 m=34 s=25
